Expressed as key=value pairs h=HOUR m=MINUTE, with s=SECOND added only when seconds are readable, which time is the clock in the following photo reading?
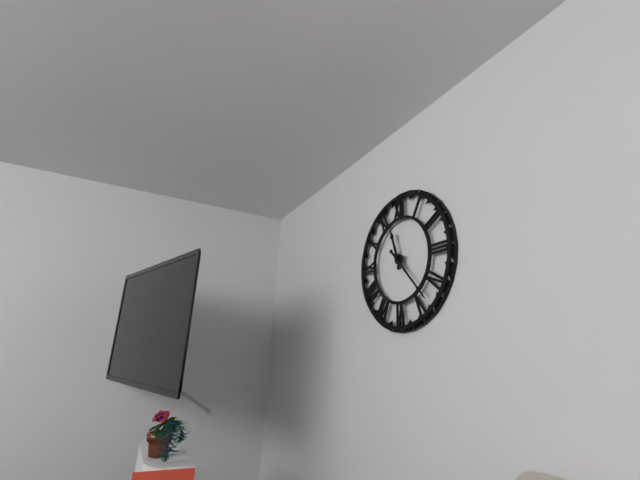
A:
h=11 m=23
